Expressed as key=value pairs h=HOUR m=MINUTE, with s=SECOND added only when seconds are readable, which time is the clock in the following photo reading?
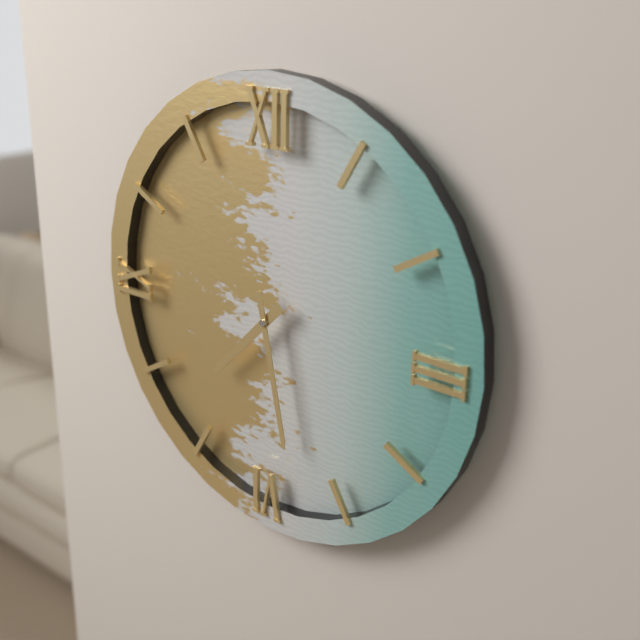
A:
h=7 m=28
